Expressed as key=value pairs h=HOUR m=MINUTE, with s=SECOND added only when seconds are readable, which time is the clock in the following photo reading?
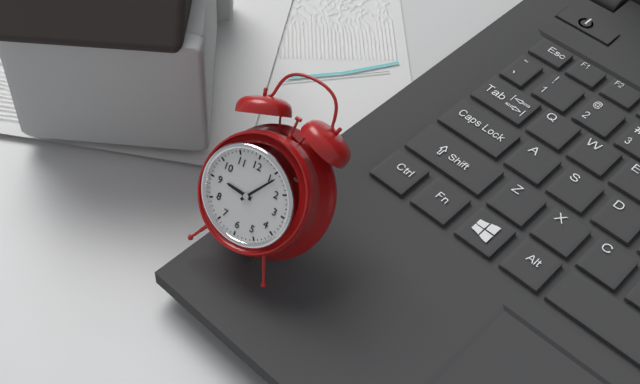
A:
h=9 m=6
